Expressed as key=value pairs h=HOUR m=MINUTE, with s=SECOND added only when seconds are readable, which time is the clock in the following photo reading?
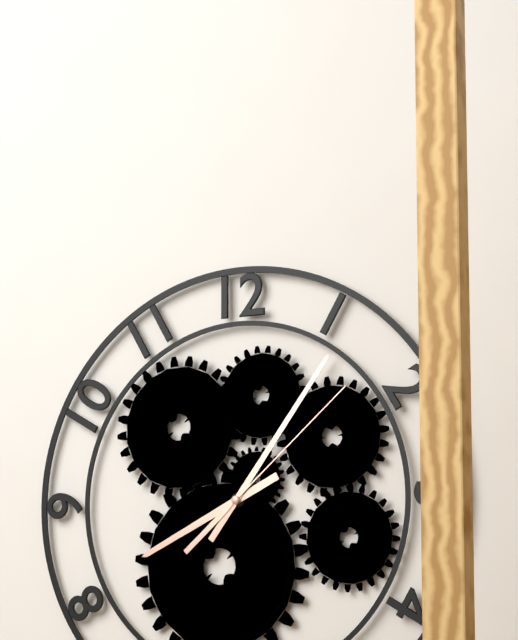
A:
h=8 m=6 s=8
